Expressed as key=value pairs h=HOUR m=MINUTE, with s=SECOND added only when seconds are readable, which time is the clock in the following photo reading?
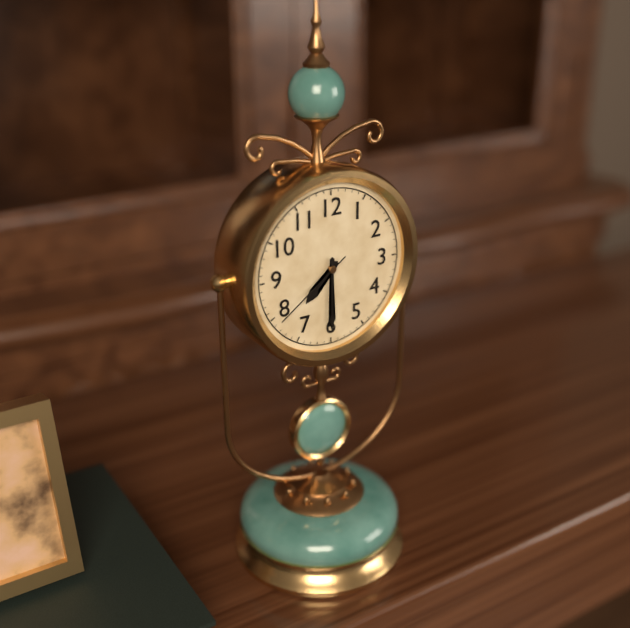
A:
h=7 m=30 s=39
